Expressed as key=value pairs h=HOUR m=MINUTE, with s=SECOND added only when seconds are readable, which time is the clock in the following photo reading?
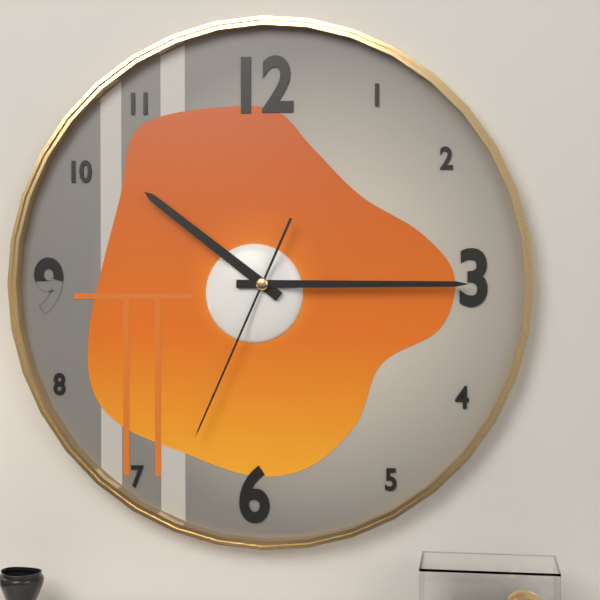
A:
h=10 m=15 s=34
